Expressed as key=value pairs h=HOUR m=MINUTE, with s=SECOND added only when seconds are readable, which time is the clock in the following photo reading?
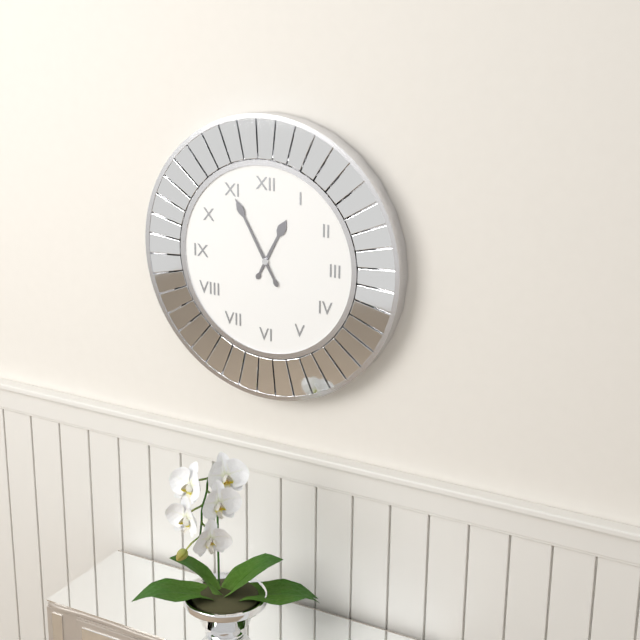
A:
h=12 m=55
